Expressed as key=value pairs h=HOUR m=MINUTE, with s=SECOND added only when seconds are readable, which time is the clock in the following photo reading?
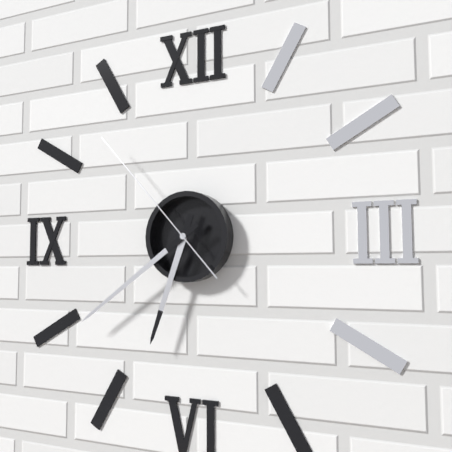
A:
h=6 m=39 s=53
